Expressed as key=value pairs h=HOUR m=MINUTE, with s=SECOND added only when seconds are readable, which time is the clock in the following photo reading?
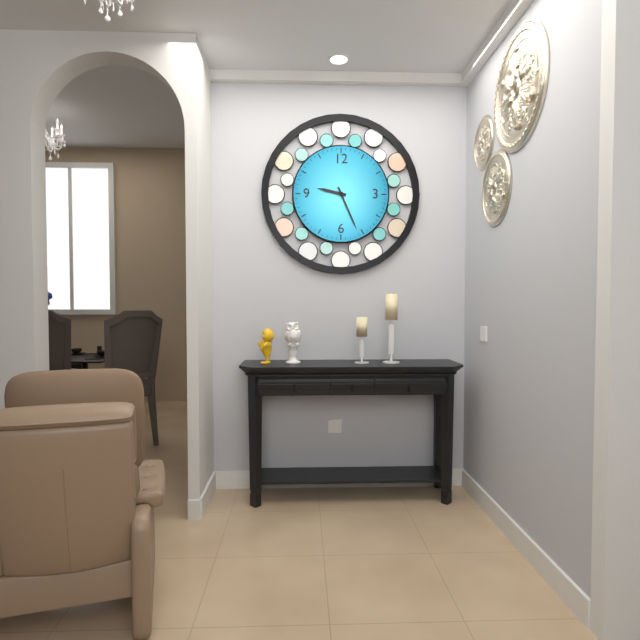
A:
h=9 m=26
